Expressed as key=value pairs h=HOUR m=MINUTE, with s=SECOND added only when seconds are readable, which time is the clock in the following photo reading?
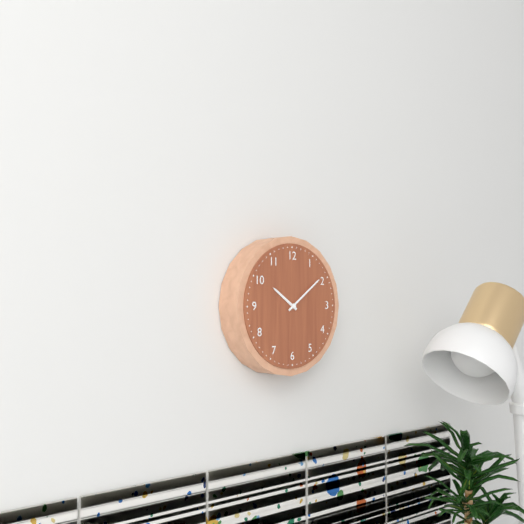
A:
h=10 m=9
